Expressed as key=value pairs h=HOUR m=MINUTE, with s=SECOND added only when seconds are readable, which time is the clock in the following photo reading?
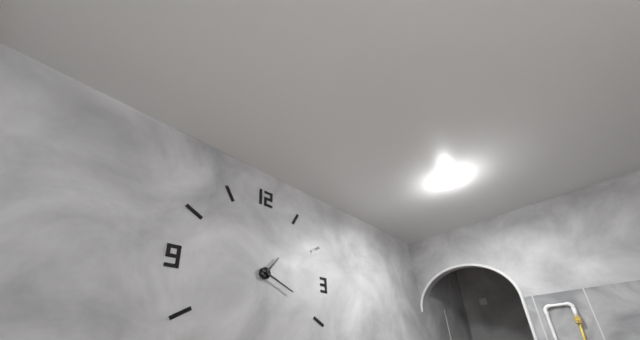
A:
h=1 m=19
